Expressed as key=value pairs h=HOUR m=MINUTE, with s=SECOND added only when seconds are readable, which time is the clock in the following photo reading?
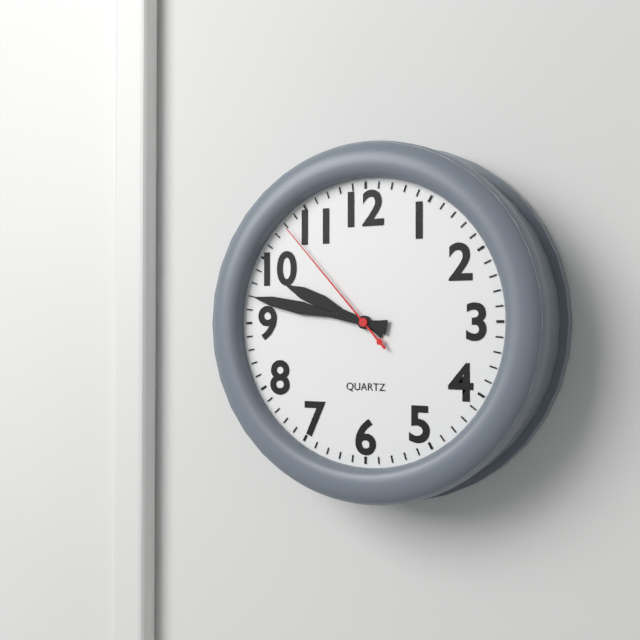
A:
h=9 m=47 s=53
